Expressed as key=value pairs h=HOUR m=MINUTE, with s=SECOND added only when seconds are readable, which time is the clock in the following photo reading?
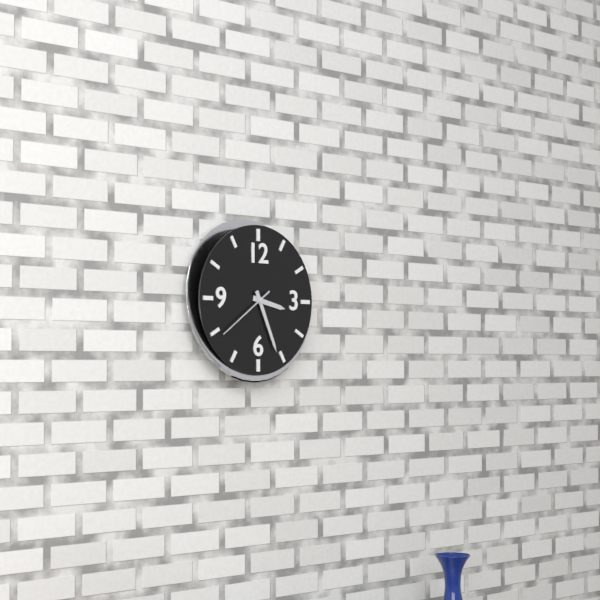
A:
h=3 m=26 s=39
